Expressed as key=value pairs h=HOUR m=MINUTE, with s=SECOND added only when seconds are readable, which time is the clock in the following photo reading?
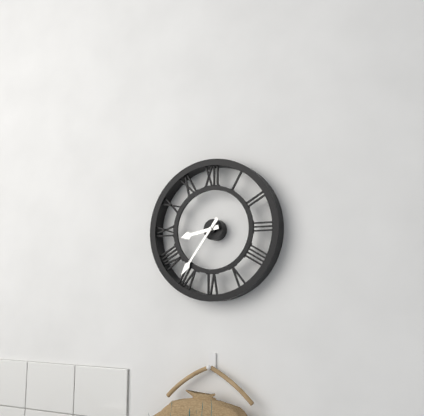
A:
h=8 m=36
